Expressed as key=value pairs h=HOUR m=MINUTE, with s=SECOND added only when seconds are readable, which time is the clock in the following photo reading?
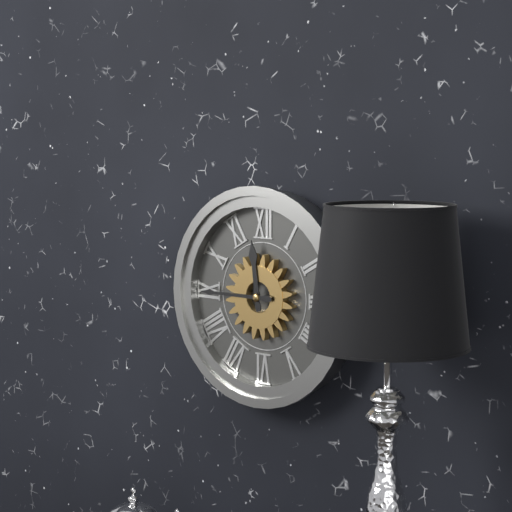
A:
h=11 m=45
